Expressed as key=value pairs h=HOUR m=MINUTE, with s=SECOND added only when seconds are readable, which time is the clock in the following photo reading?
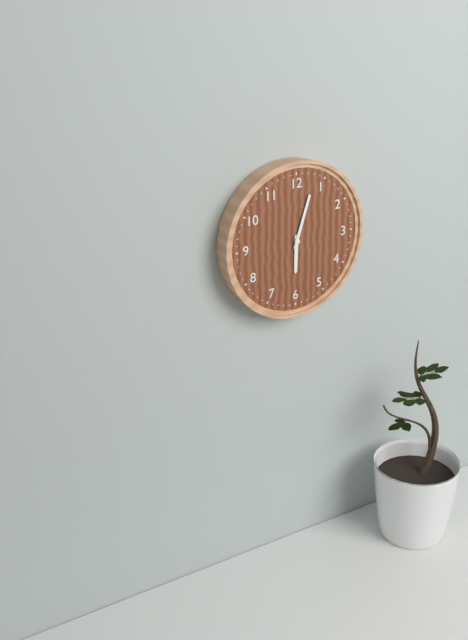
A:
h=6 m=3
